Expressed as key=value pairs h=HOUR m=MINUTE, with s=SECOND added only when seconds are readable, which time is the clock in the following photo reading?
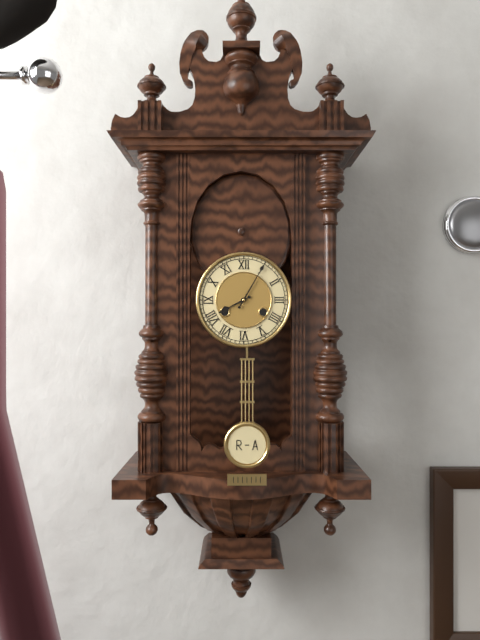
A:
h=8 m=5
